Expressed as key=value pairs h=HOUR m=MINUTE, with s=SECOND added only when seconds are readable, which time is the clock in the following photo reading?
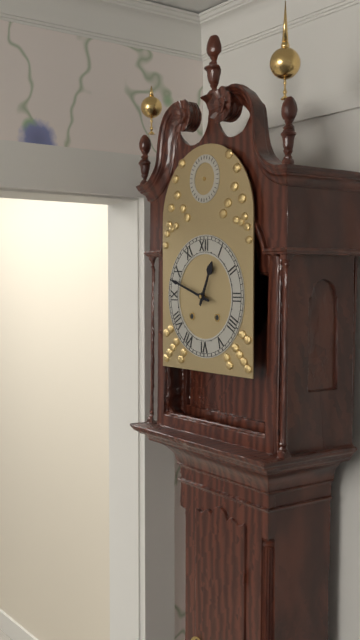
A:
h=12 m=48
